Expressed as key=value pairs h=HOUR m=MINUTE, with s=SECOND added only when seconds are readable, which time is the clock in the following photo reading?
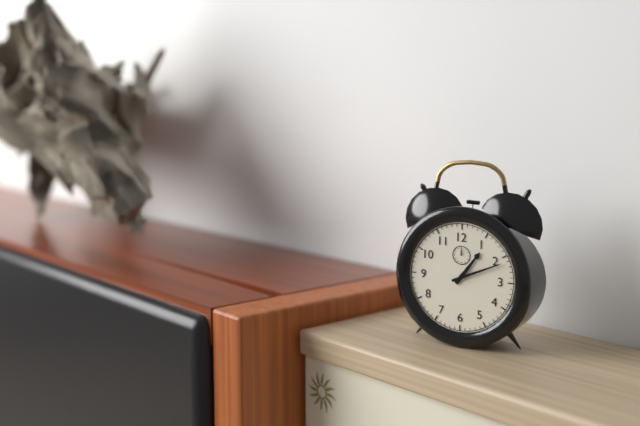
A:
h=1 m=11
